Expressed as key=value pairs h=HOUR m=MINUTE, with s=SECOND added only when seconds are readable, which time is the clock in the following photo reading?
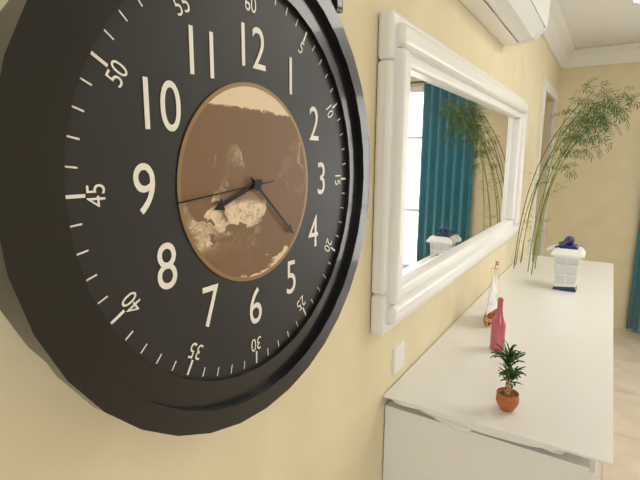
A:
h=8 m=22 s=44
